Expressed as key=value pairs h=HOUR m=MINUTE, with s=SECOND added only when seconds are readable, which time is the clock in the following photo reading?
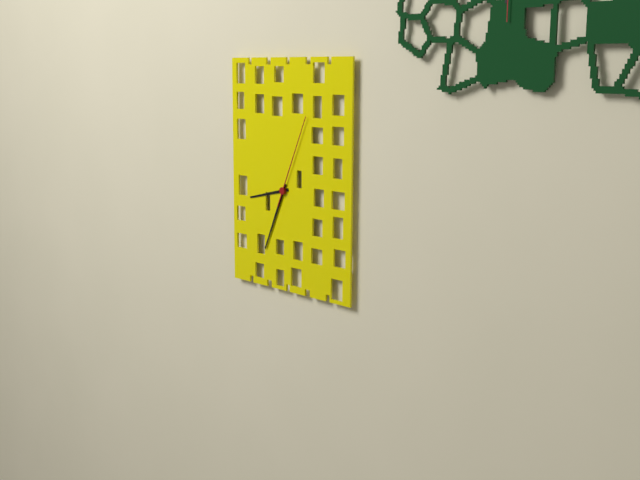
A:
h=8 m=34 s=4
